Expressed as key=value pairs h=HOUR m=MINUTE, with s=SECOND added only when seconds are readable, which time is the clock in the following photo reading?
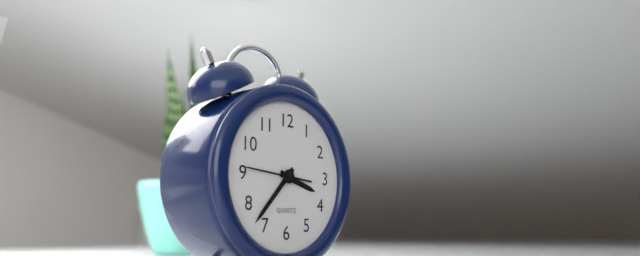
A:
h=3 m=37 s=46
